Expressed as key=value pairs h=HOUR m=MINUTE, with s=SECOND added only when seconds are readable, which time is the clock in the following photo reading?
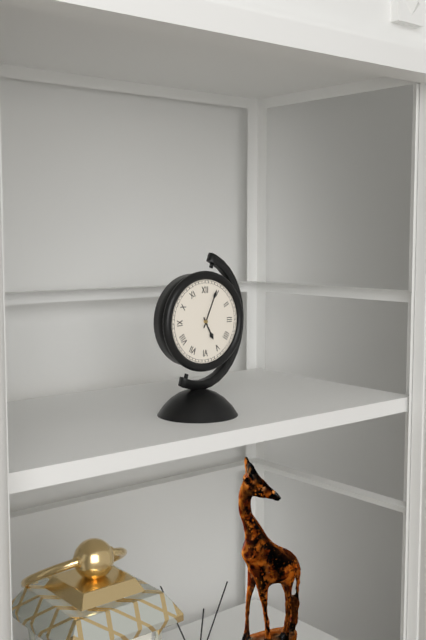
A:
h=5 m=4
